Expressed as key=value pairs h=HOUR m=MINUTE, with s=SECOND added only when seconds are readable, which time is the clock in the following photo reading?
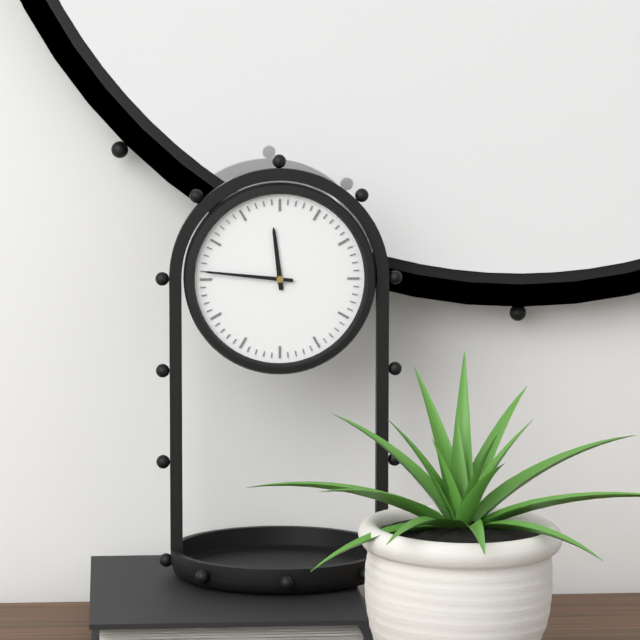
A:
h=11 m=46
